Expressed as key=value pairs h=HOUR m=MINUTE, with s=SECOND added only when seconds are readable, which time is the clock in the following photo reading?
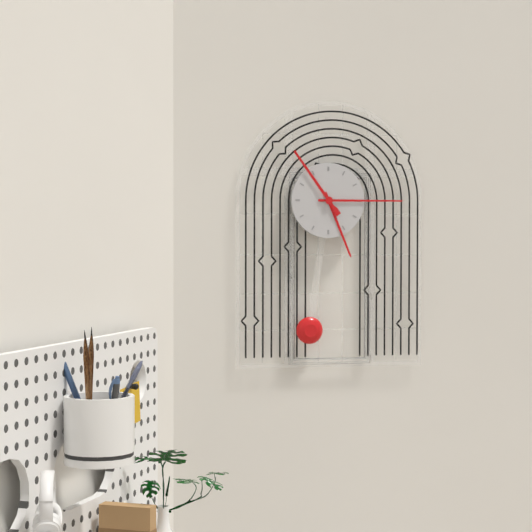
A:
h=5 m=15 s=54
